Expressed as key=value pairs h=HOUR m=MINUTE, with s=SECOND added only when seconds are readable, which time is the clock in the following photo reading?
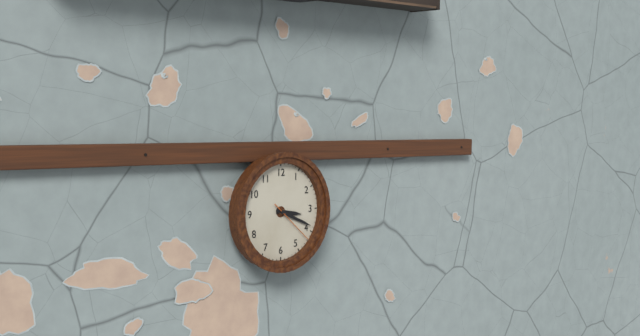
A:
h=3 m=19
